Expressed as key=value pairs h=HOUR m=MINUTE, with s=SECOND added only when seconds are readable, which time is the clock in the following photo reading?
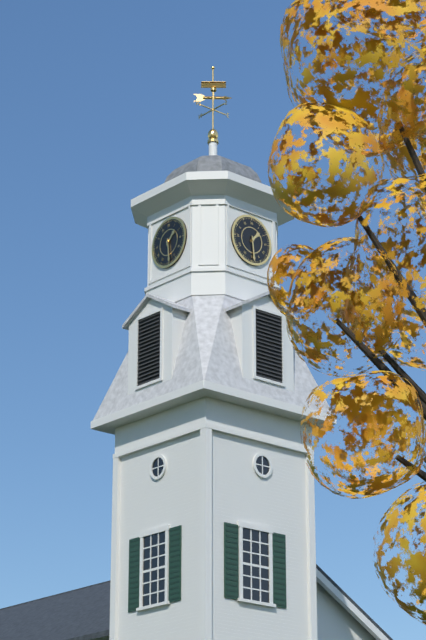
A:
h=1 m=29
